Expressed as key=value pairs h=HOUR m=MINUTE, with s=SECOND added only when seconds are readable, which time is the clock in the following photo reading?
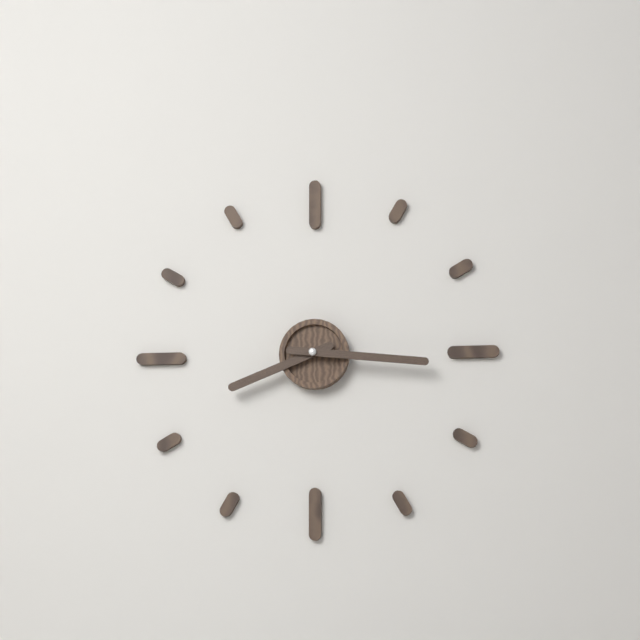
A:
h=8 m=16
